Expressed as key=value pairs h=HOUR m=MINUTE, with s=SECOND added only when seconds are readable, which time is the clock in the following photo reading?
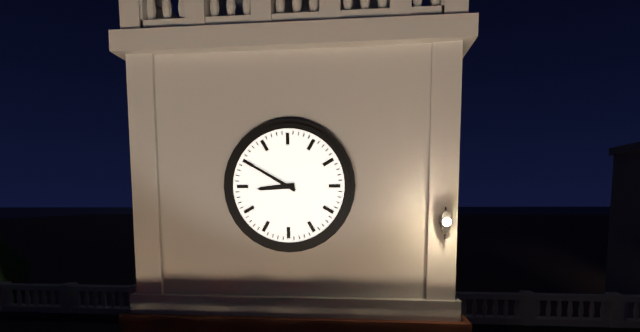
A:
h=8 m=50
